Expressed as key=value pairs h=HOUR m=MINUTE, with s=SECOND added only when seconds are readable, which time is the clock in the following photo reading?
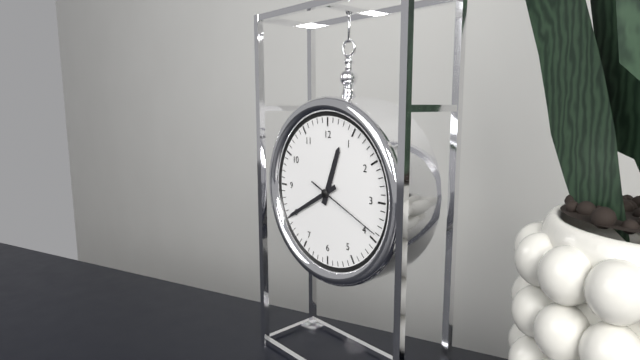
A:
h=12 m=40 s=19
